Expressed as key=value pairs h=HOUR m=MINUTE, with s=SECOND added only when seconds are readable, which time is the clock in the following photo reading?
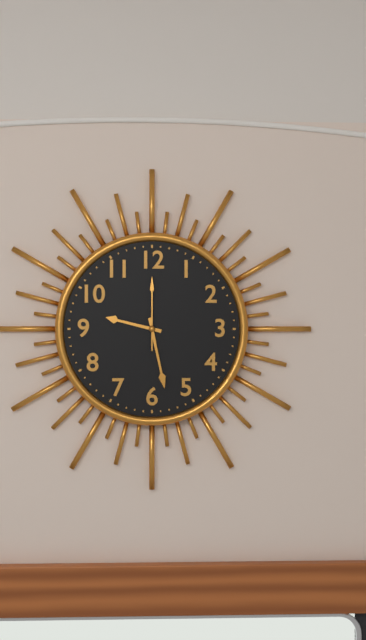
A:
h=9 m=28 s=0
